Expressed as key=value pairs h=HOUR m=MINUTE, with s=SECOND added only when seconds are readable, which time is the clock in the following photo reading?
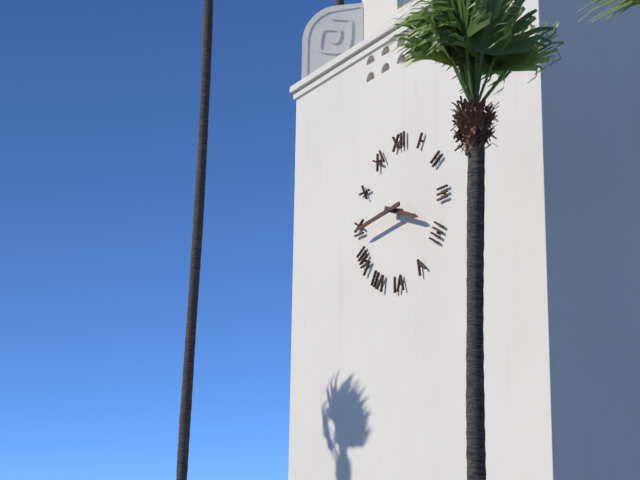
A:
h=3 m=44
